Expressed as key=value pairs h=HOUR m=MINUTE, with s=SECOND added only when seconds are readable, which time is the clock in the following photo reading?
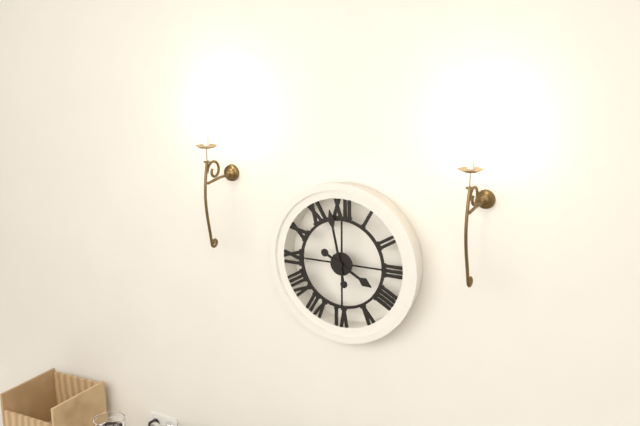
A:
h=3 m=58
